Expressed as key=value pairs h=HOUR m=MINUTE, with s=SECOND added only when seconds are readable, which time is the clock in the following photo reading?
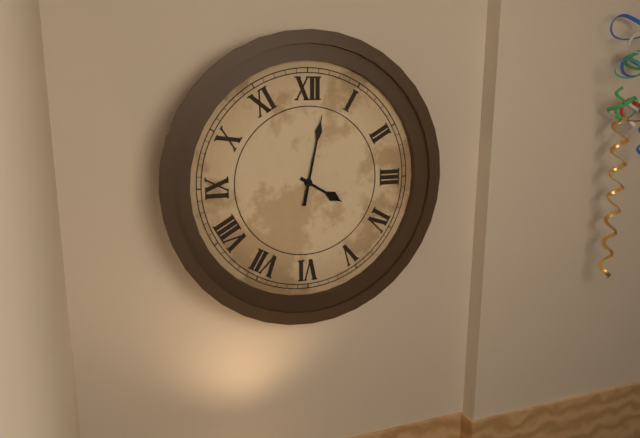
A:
h=4 m=2
